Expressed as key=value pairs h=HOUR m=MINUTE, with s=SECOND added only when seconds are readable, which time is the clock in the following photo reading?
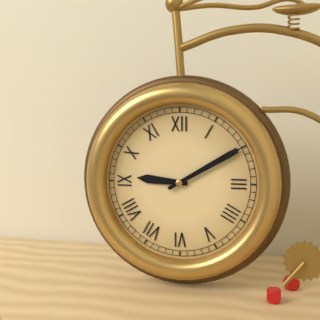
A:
h=9 m=10
